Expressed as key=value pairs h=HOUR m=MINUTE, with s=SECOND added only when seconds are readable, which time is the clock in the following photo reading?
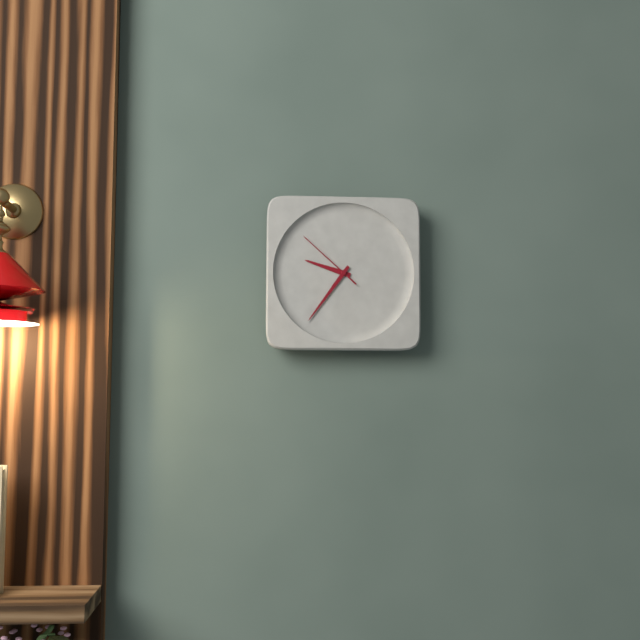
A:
h=9 m=36 s=52
